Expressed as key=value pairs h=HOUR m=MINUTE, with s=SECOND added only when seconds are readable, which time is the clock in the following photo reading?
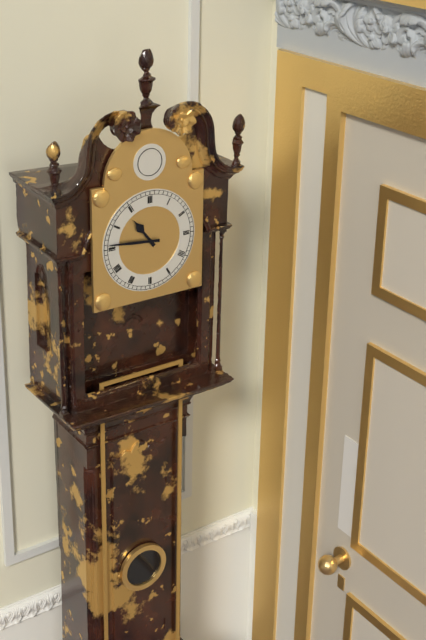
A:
h=10 m=46
